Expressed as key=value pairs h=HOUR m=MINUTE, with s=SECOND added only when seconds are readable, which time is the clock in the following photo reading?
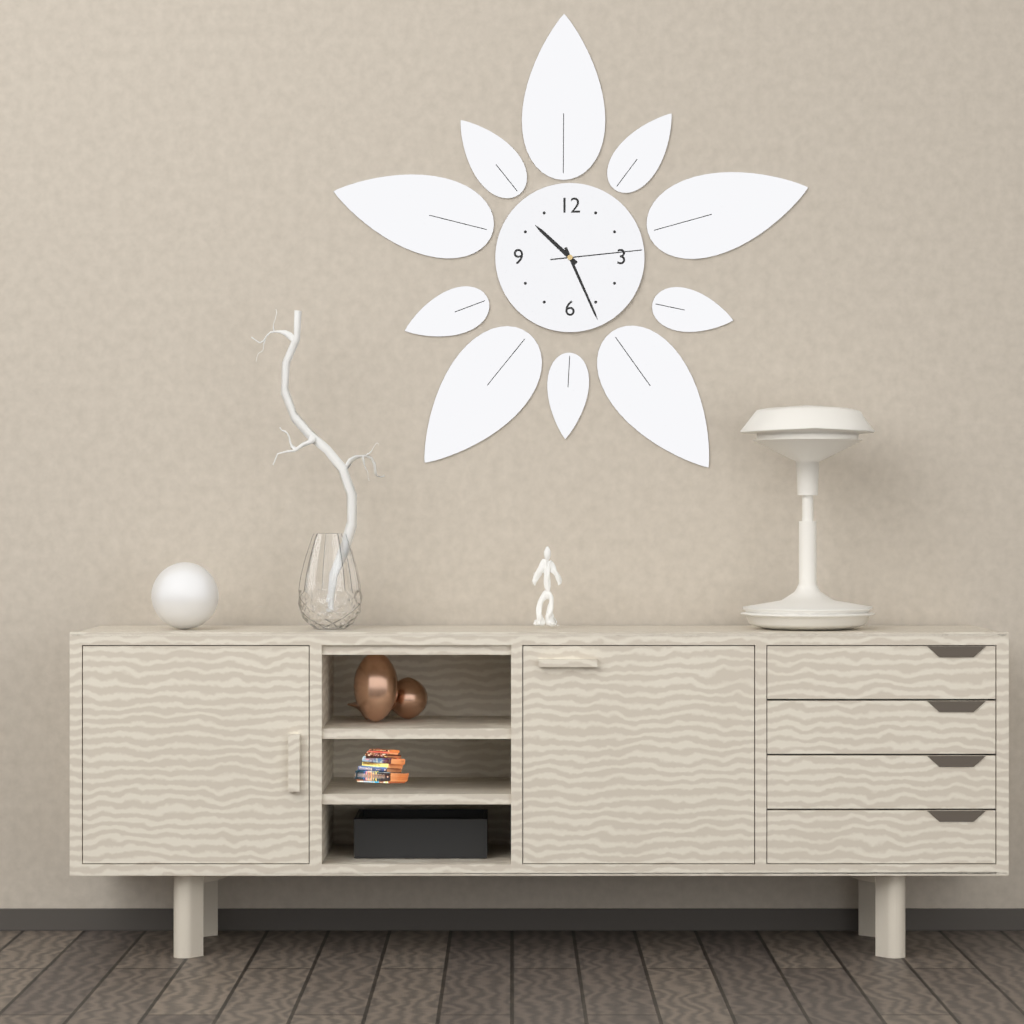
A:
h=10 m=26 s=14
